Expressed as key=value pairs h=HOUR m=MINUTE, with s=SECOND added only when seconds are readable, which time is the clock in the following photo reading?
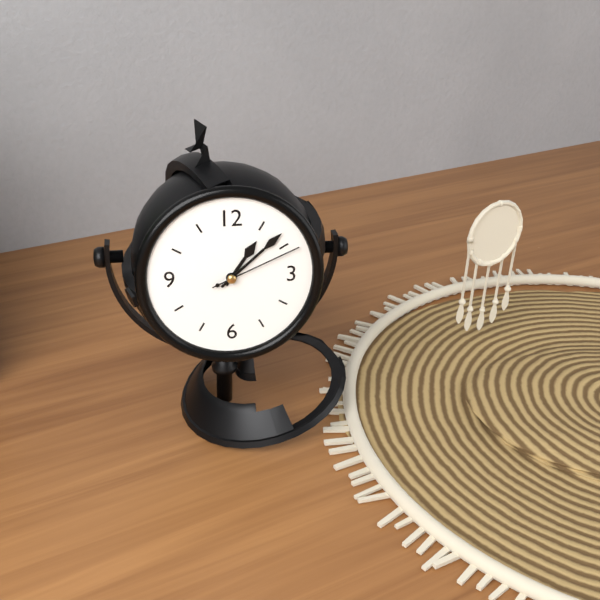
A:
h=1 m=8 s=11
